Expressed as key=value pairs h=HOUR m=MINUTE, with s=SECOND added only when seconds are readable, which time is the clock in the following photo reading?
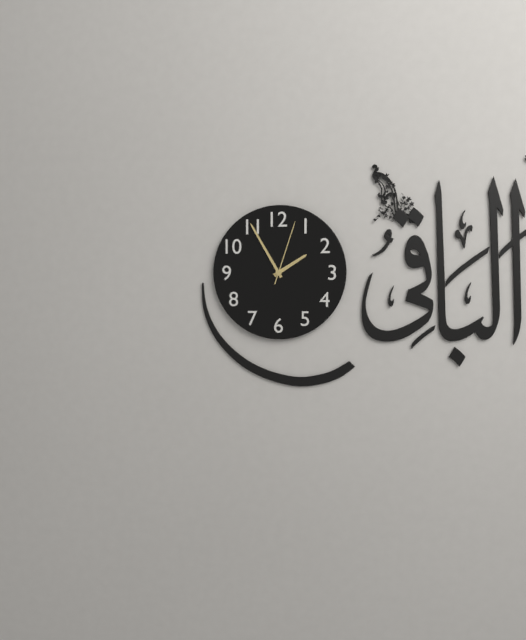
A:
h=1 m=55 s=3
